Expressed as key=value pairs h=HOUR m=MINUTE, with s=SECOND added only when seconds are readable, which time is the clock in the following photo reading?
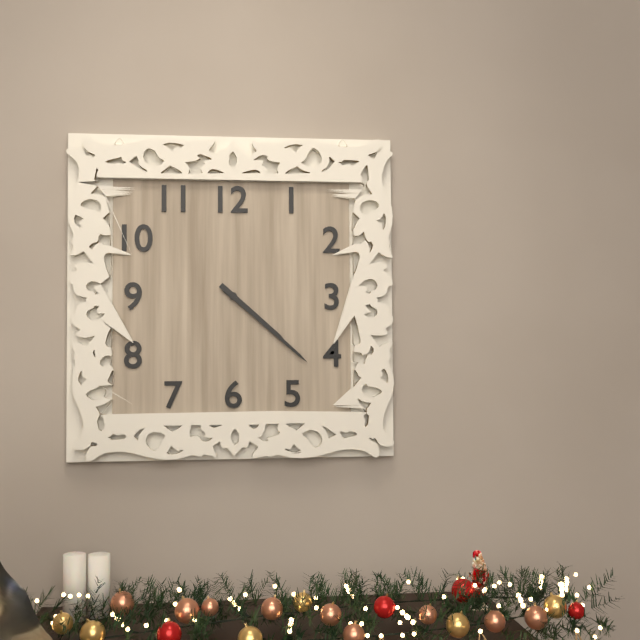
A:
h=4 m=22
